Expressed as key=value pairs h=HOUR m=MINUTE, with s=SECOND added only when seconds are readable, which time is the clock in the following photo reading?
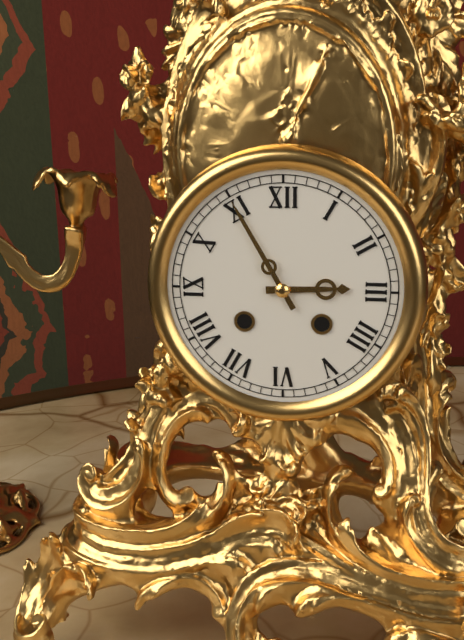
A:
h=2 m=55
